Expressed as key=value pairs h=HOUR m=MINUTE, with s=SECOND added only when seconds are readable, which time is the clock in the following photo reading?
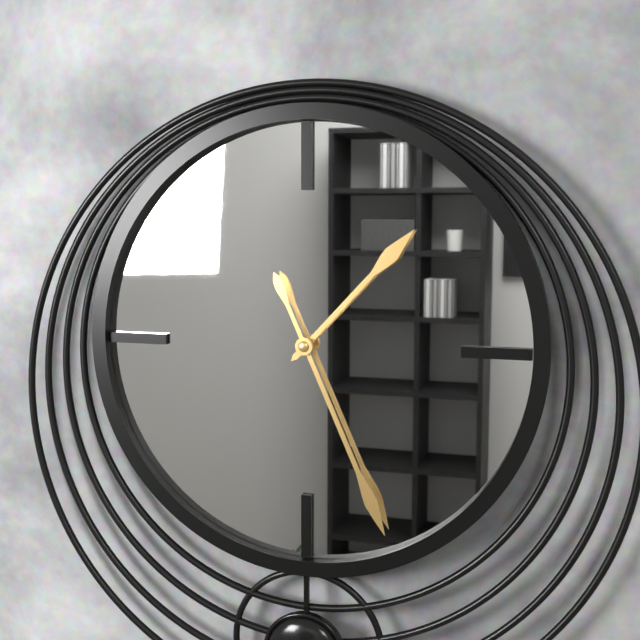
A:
h=1 m=26
